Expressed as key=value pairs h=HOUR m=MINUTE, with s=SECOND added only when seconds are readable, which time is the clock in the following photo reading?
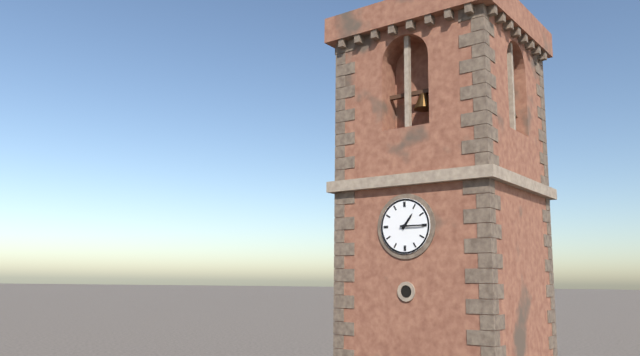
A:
h=1 m=15
